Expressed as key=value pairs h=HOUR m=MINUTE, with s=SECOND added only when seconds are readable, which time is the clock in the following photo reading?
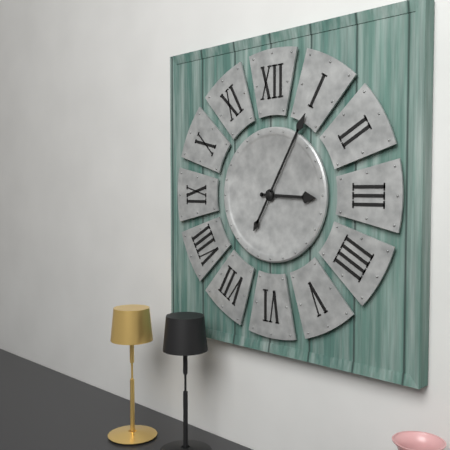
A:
h=3 m=5
